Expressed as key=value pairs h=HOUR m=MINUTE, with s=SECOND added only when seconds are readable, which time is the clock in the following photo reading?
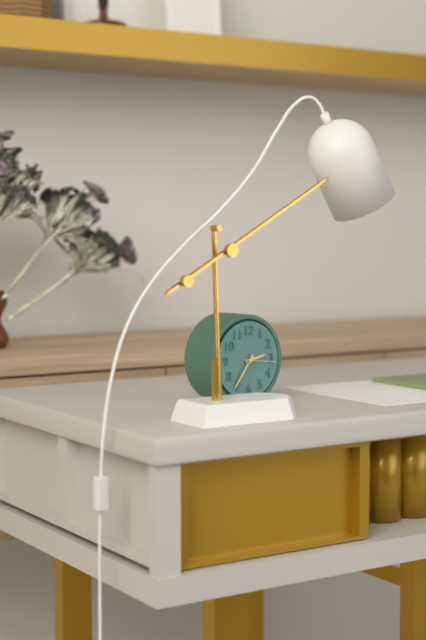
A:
h=2 m=36
